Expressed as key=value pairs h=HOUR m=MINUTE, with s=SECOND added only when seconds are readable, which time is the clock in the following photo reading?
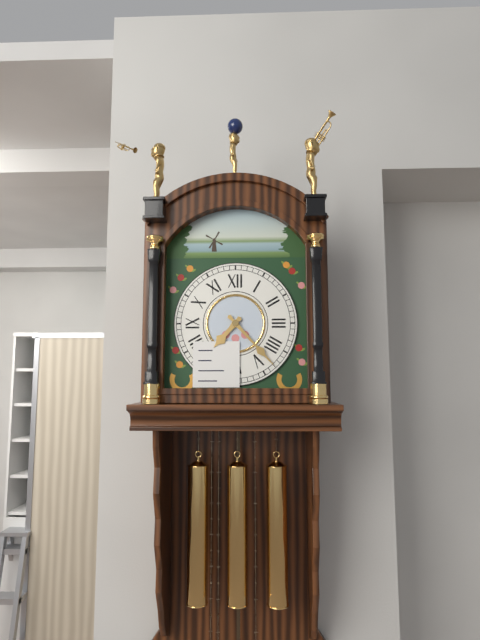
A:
h=7 m=23
